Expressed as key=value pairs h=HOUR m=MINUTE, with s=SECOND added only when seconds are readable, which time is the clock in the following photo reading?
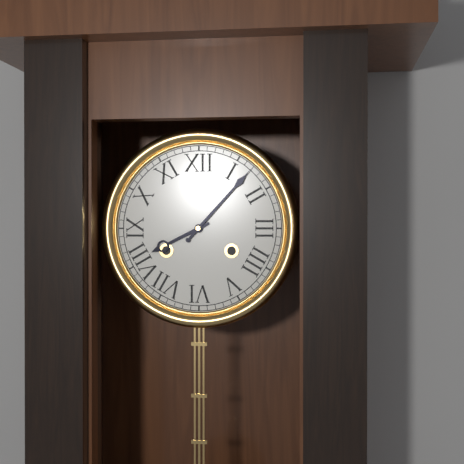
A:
h=8 m=7
